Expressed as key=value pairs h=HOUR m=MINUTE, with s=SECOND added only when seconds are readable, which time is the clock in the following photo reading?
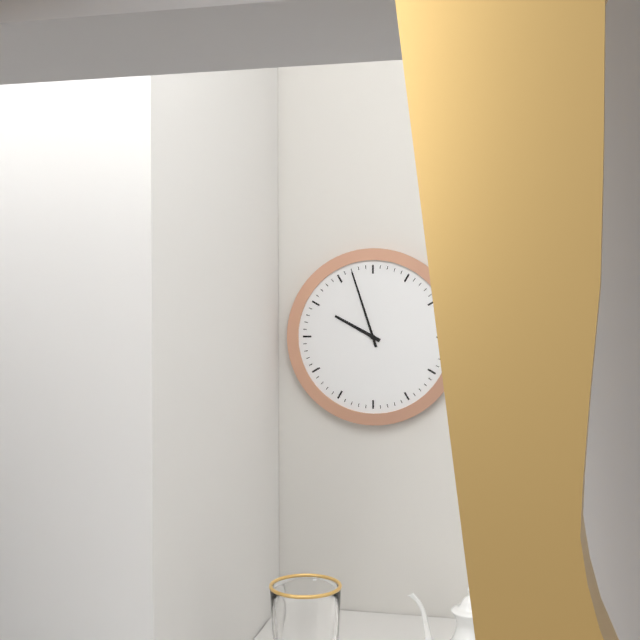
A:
h=9 m=57
